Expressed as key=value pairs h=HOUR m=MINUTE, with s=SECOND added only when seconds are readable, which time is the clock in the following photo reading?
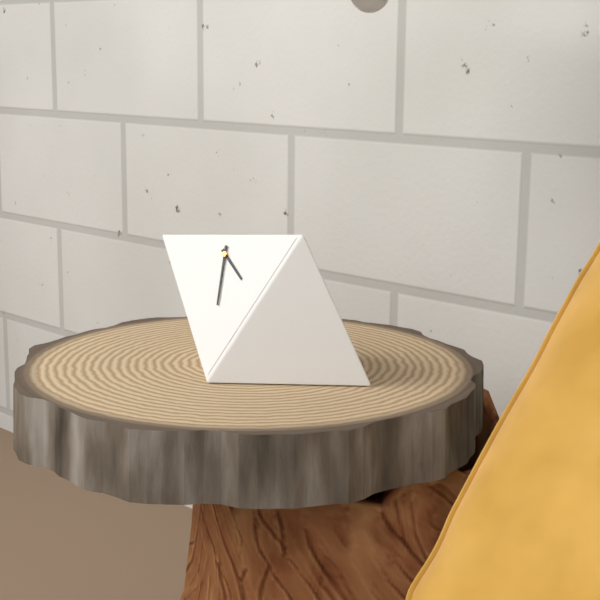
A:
h=4 m=30
